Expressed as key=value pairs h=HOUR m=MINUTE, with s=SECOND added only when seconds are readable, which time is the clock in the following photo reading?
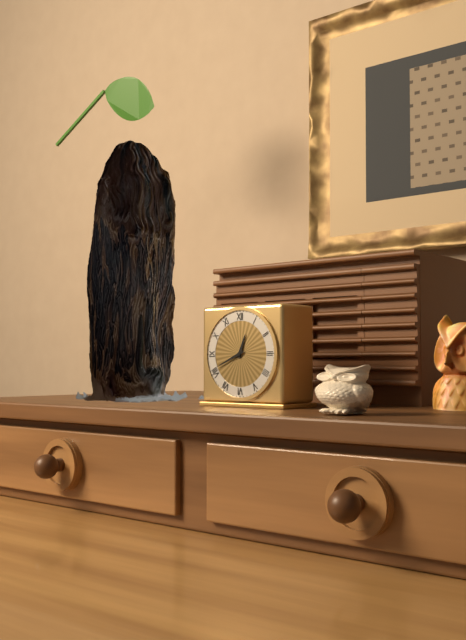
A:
h=12 m=41
